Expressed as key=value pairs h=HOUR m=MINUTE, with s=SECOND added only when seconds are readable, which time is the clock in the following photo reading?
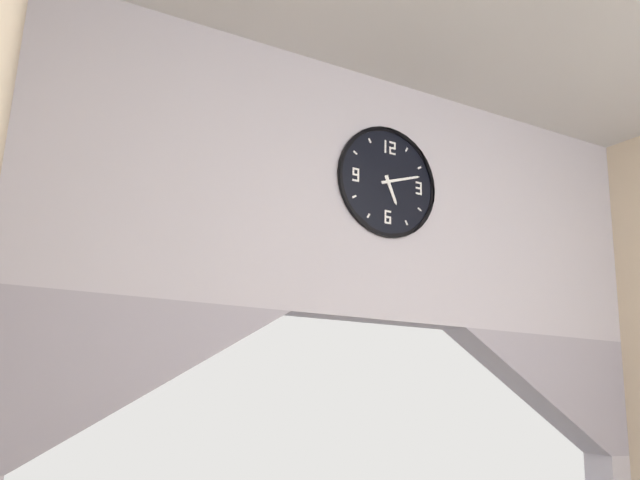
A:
h=5 m=12
